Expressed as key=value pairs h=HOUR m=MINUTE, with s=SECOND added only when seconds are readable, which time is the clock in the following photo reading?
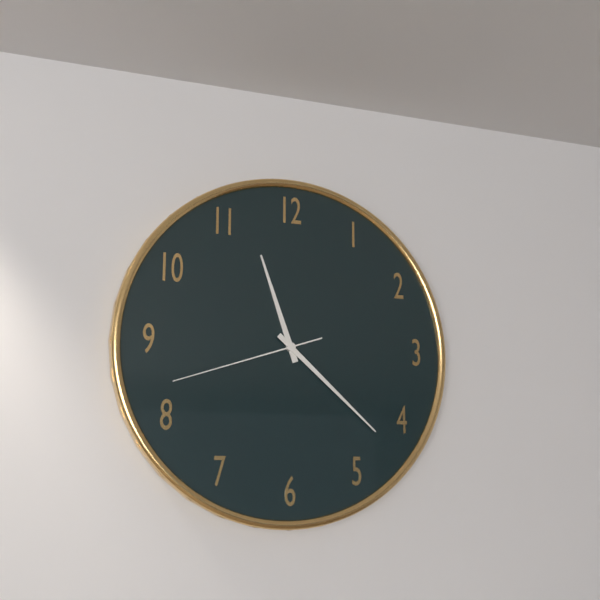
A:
h=11 m=22 s=42
